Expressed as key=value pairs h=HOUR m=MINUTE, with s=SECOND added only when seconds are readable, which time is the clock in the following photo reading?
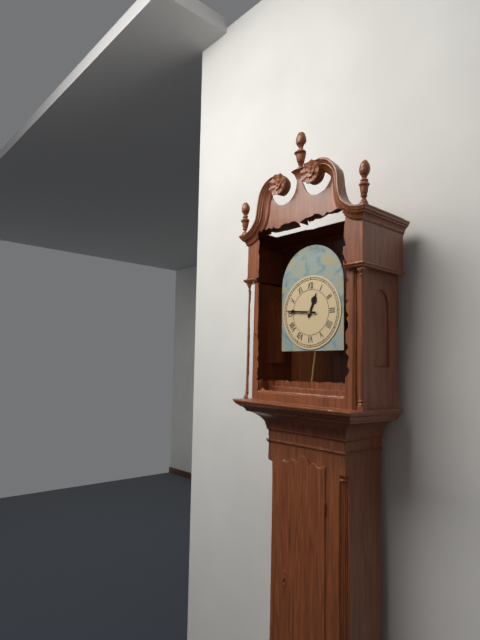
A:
h=12 m=46
